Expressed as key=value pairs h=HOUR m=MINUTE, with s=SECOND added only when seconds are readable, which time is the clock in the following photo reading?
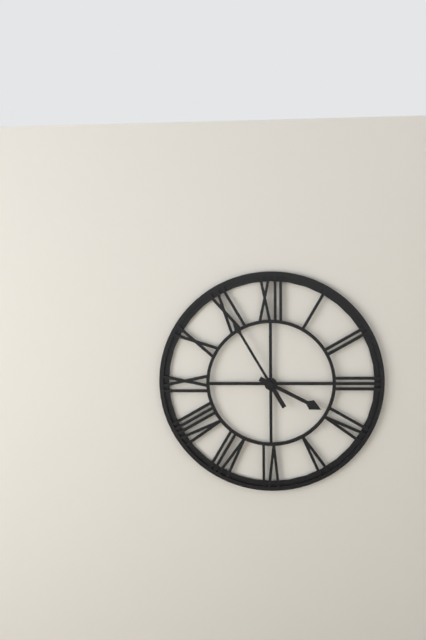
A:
h=3 m=55
